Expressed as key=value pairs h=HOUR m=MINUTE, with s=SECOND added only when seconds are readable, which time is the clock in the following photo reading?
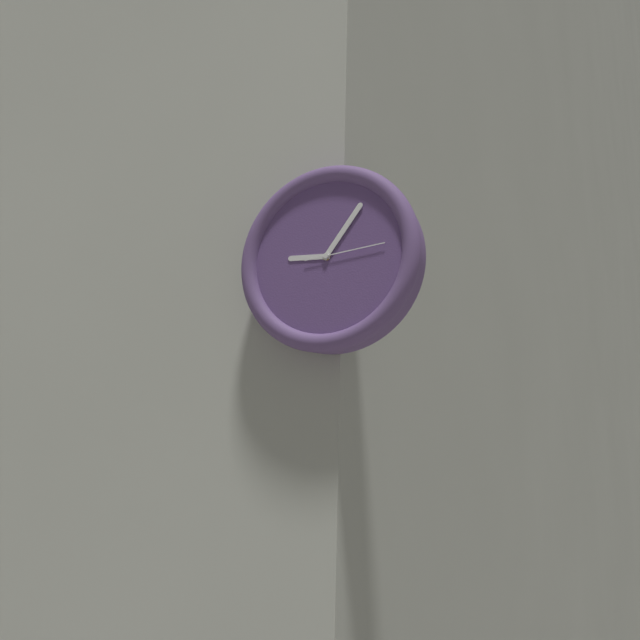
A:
h=9 m=6 s=14
